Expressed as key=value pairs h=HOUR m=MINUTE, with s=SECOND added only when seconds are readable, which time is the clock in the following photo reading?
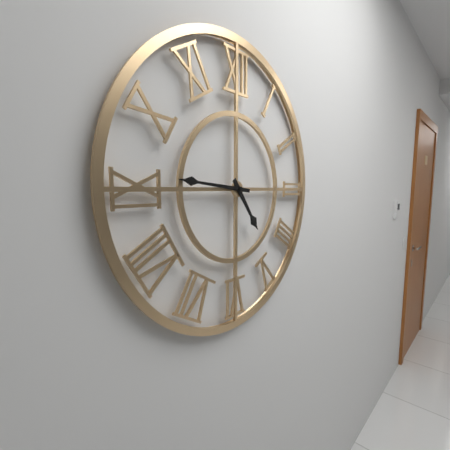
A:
h=4 m=46
